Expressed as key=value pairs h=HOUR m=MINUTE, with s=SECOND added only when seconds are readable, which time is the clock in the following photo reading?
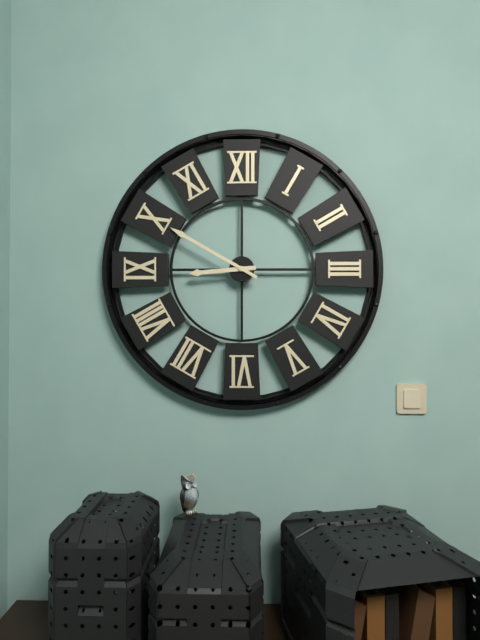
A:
h=8 m=50
